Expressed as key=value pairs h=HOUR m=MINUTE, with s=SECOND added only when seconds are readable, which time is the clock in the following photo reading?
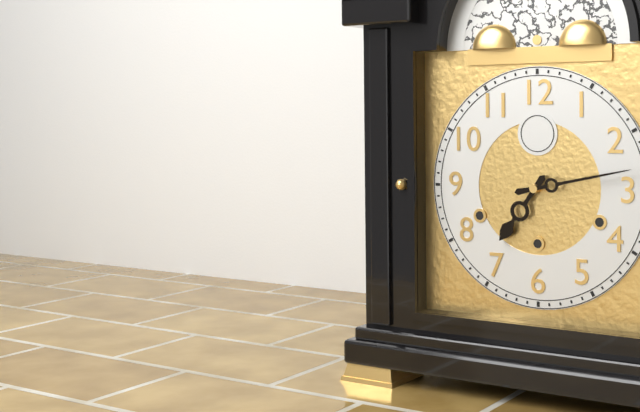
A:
h=7 m=13
